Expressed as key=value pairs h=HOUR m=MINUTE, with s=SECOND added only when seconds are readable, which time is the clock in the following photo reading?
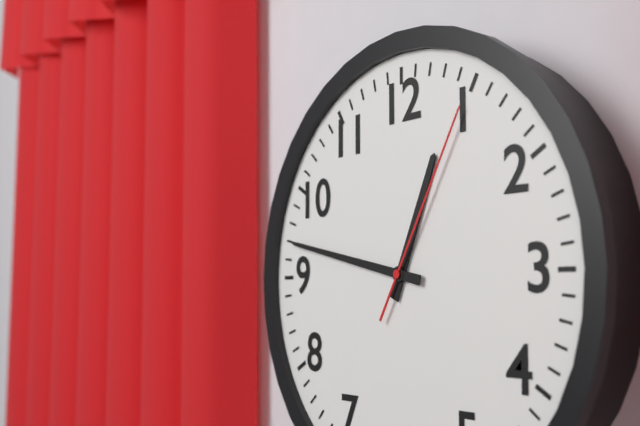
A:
h=12 m=47 s=5
